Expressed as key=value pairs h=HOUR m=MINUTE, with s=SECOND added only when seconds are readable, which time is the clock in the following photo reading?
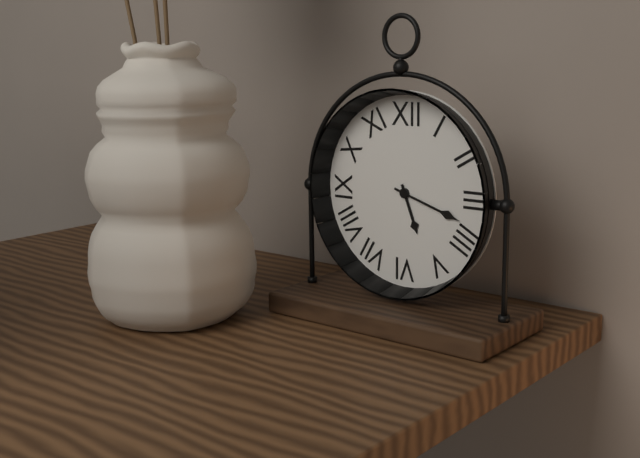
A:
h=5 m=18
